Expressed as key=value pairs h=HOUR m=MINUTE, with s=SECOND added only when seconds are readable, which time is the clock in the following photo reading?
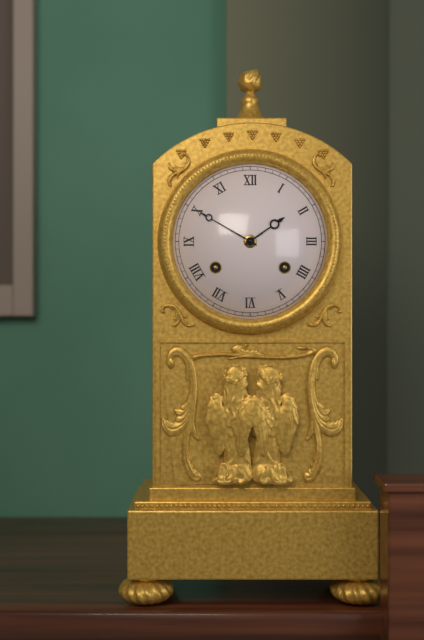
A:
h=1 m=50
